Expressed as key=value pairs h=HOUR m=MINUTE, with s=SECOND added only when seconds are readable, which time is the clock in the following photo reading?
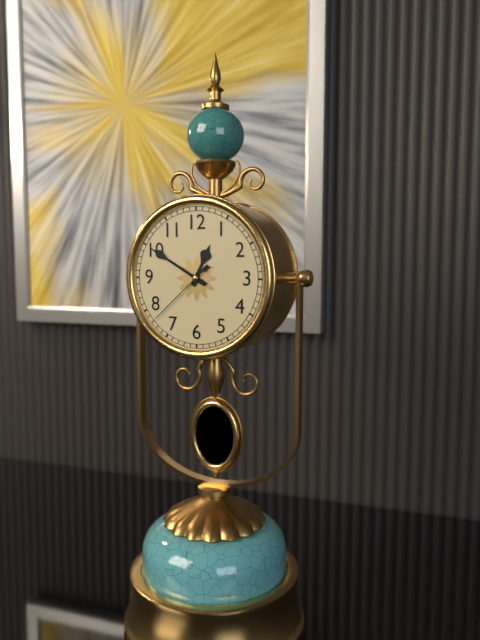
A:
h=12 m=50 s=38
